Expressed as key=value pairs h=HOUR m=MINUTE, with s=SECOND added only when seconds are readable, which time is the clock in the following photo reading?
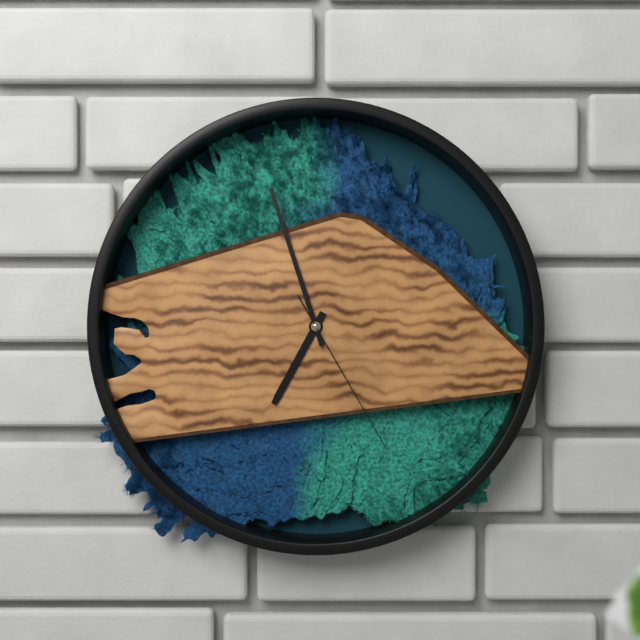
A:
h=6 m=57 s=25
